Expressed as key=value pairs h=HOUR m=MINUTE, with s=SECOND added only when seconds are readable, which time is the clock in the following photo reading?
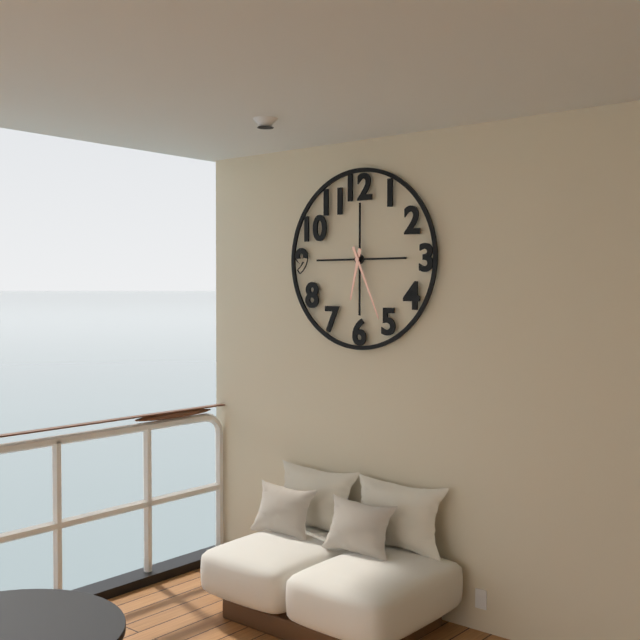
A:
h=6 m=26
